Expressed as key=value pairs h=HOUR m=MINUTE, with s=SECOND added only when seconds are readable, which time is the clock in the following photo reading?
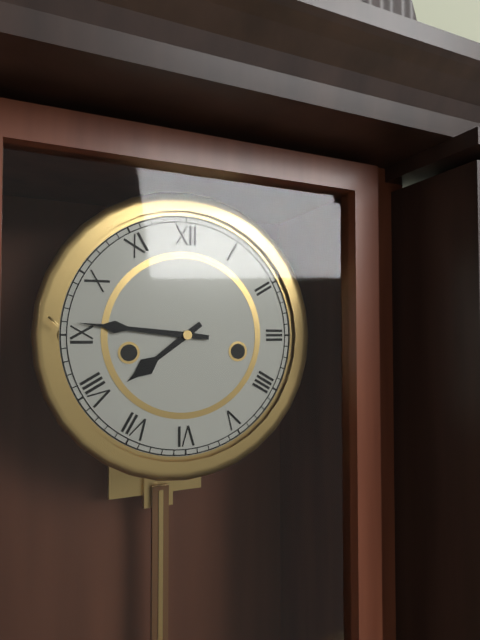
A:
h=7 m=46
